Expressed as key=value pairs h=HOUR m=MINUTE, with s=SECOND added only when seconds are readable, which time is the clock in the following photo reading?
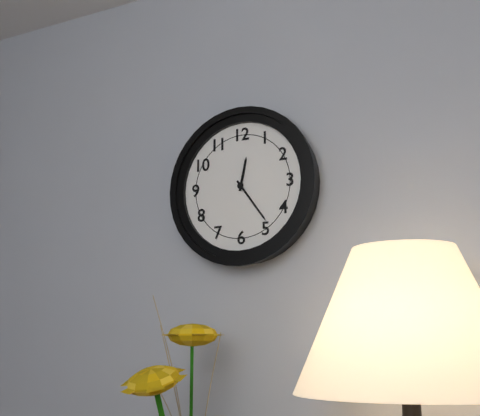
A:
h=12 m=24
